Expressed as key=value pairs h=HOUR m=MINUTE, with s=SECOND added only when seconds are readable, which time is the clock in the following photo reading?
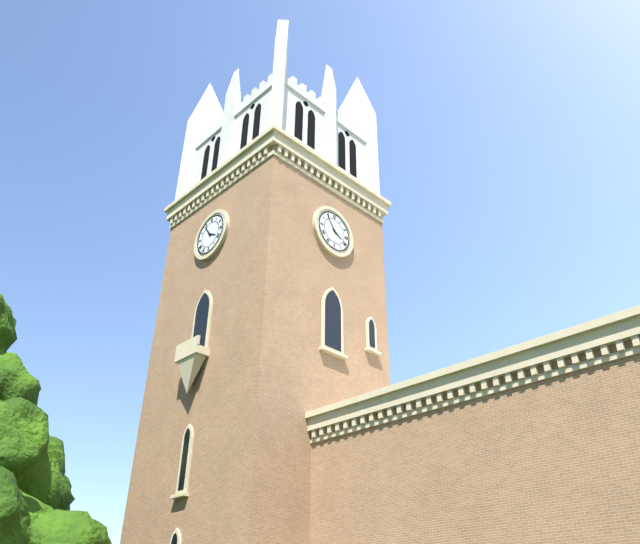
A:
h=3 m=54
